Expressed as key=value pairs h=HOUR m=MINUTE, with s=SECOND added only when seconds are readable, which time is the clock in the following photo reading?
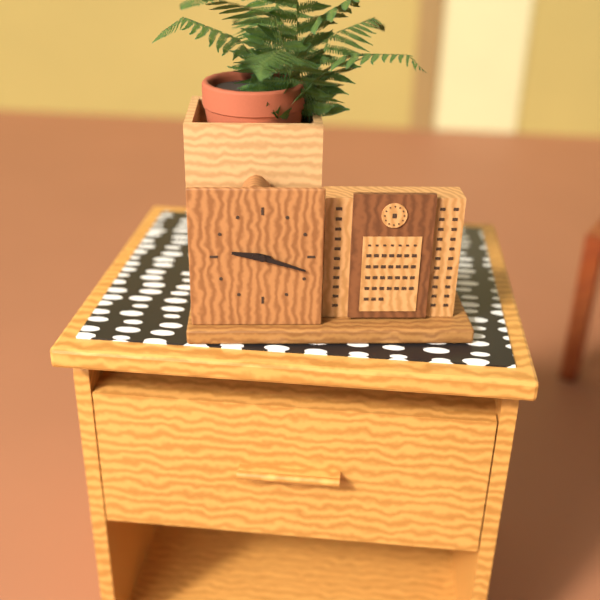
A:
h=9 m=18
